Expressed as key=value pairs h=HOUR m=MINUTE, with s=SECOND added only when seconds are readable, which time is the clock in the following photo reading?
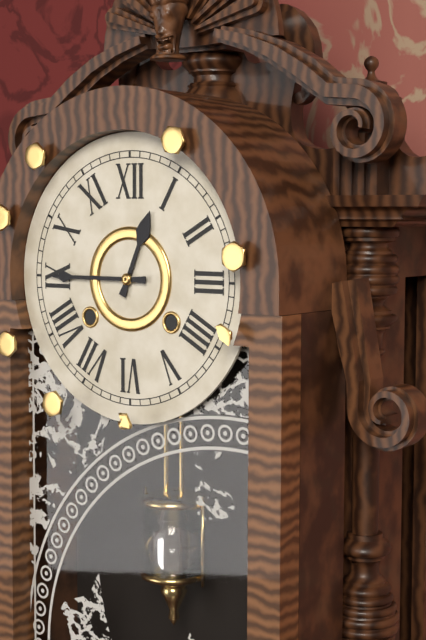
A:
h=12 m=45
